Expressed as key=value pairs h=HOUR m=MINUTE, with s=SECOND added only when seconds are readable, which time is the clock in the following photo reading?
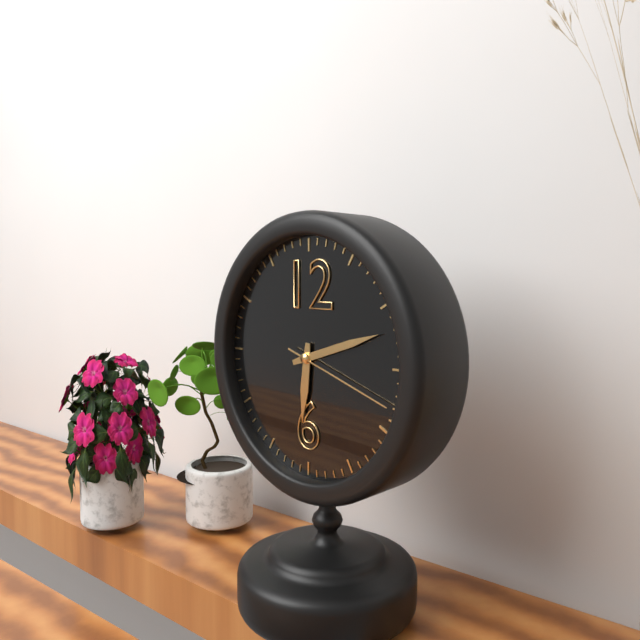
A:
h=6 m=12 s=18
